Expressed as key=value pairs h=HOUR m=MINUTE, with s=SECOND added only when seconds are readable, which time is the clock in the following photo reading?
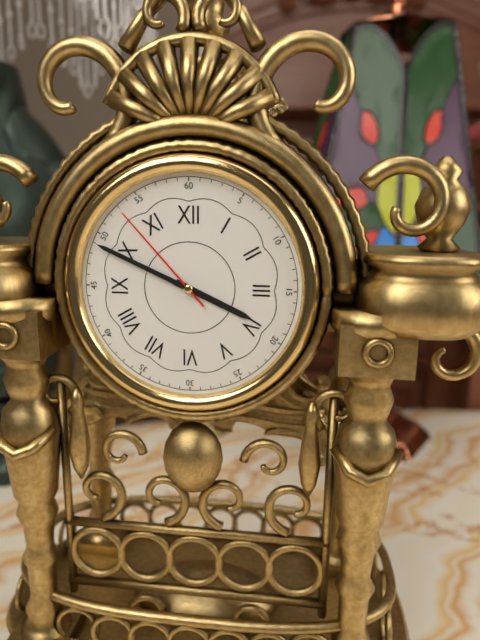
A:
h=3 m=49 s=53
